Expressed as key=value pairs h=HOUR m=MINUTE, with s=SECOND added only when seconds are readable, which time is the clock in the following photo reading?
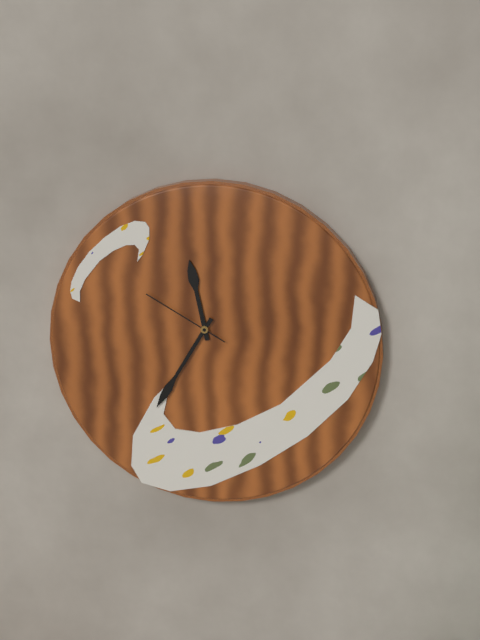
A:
h=11 m=35 s=50
